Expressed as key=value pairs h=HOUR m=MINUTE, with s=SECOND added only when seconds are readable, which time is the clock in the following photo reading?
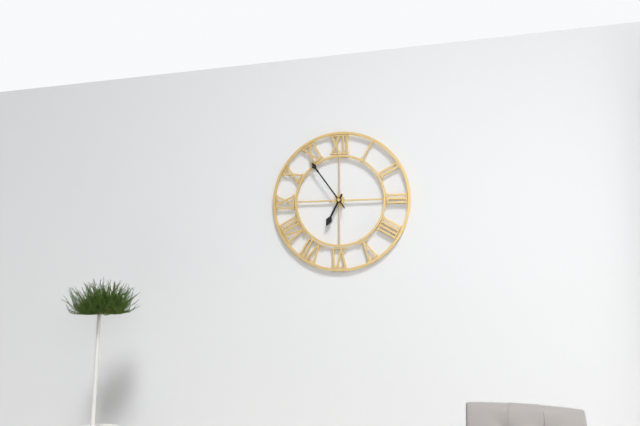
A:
h=6 m=54
